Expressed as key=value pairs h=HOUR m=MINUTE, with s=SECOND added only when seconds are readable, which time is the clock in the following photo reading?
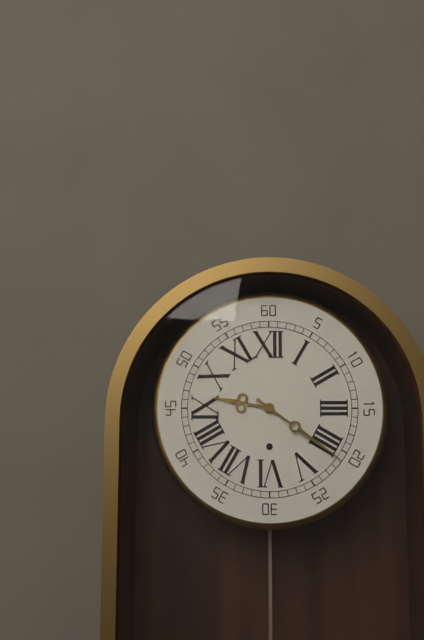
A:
h=9 m=21
